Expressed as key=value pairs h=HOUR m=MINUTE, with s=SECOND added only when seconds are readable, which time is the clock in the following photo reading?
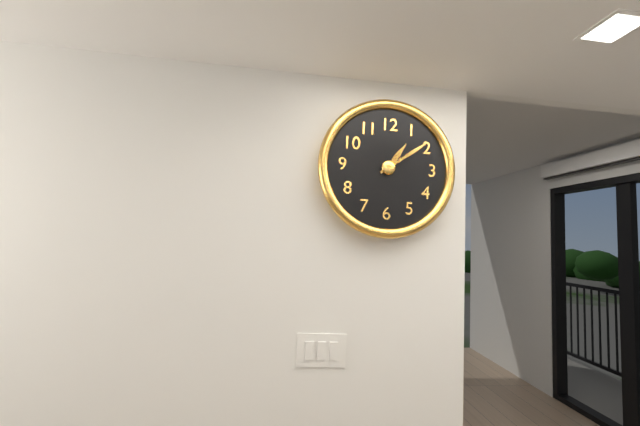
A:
h=1 m=9
